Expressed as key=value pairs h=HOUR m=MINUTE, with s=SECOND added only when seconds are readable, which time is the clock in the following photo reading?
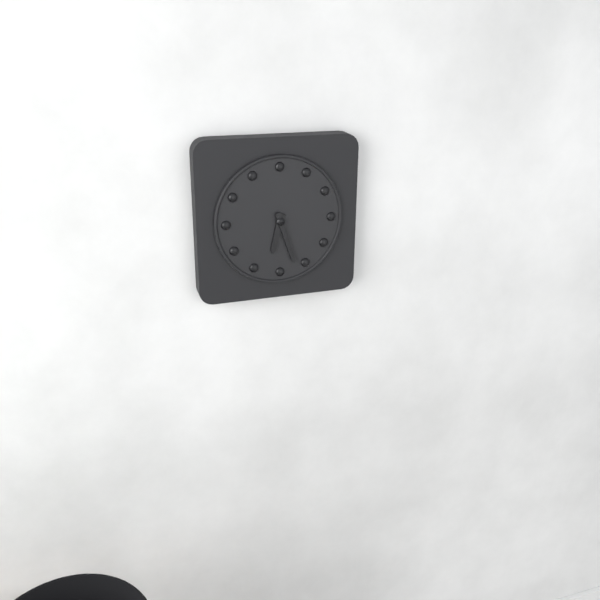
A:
h=6 m=27
